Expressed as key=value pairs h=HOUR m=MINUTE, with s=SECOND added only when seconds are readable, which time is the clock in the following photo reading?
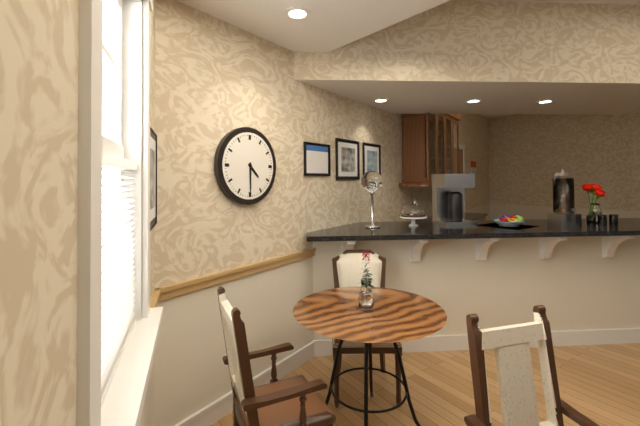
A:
h=4 m=30
